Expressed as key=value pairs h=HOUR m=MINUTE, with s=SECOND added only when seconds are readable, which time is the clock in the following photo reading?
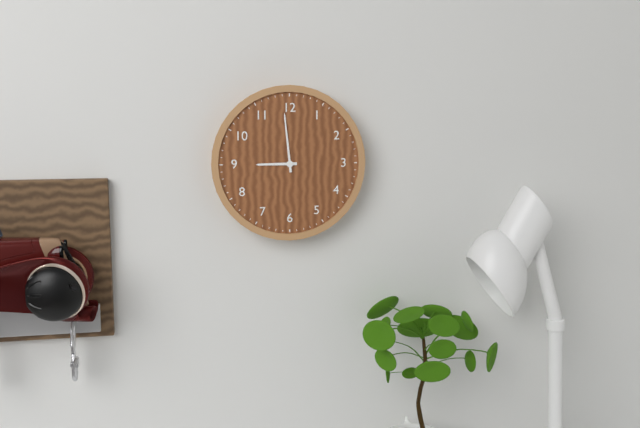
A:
h=8 m=59
